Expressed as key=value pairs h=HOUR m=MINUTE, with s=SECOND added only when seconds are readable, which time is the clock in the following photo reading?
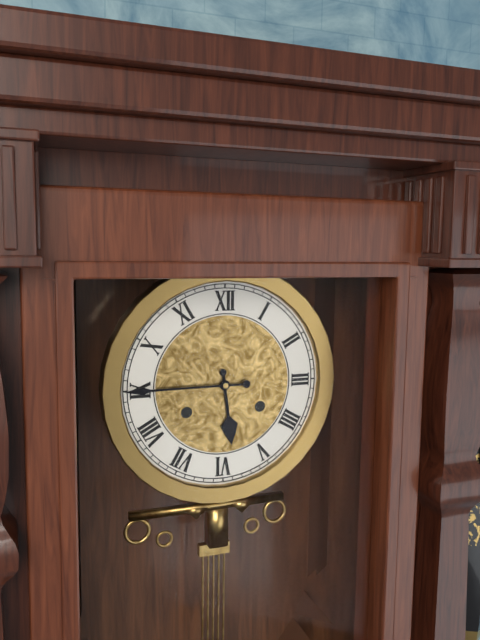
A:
h=5 m=45
